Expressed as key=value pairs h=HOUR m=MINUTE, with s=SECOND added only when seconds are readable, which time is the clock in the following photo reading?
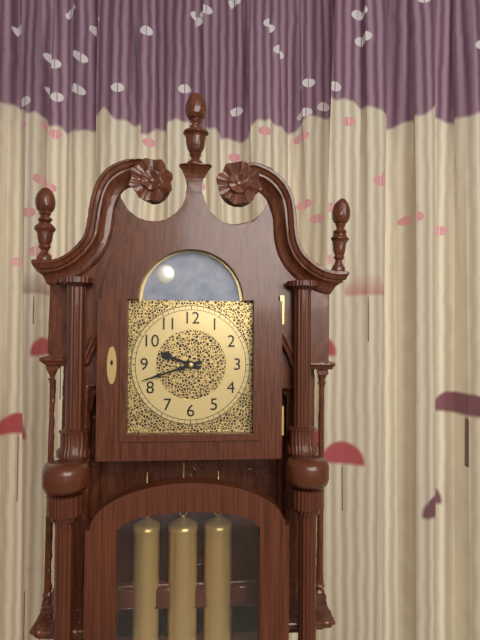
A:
h=9 m=42
